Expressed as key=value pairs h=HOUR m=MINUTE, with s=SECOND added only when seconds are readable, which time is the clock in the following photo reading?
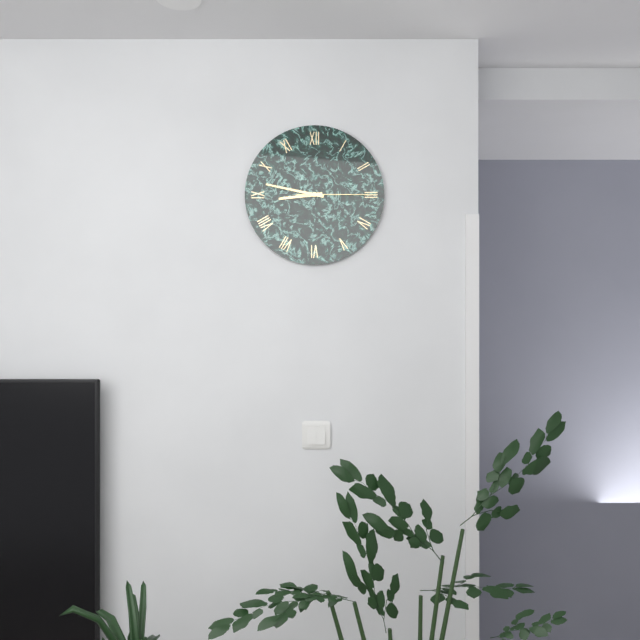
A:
h=8 m=47 s=15
